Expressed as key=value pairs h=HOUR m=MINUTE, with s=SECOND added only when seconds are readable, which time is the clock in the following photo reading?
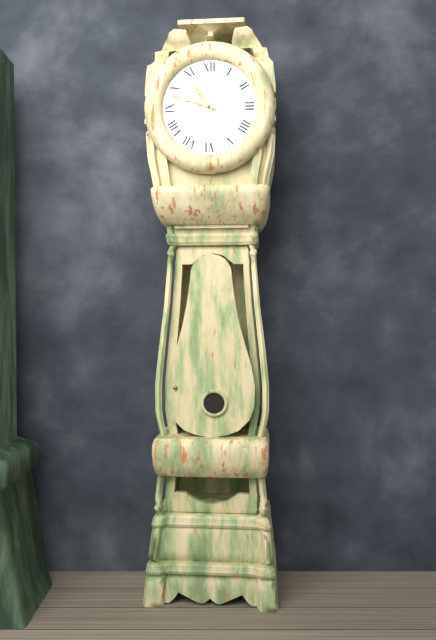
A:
h=10 m=48
